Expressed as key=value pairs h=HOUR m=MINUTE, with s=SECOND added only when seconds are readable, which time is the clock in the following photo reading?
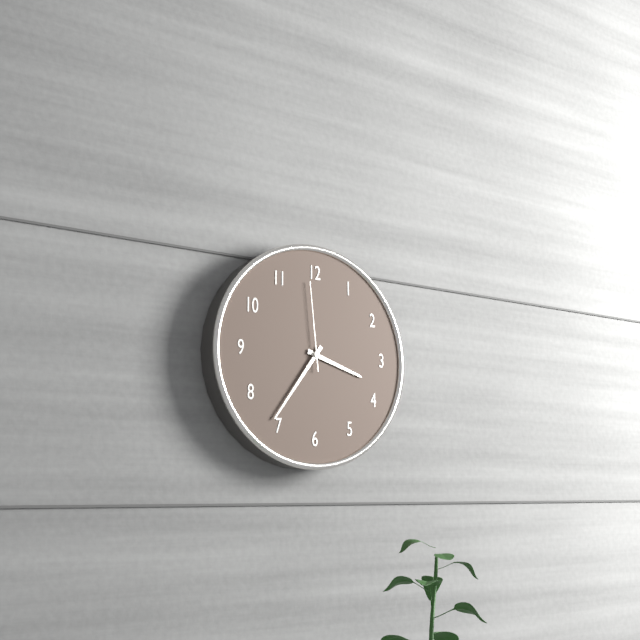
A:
h=3 m=36 s=59
